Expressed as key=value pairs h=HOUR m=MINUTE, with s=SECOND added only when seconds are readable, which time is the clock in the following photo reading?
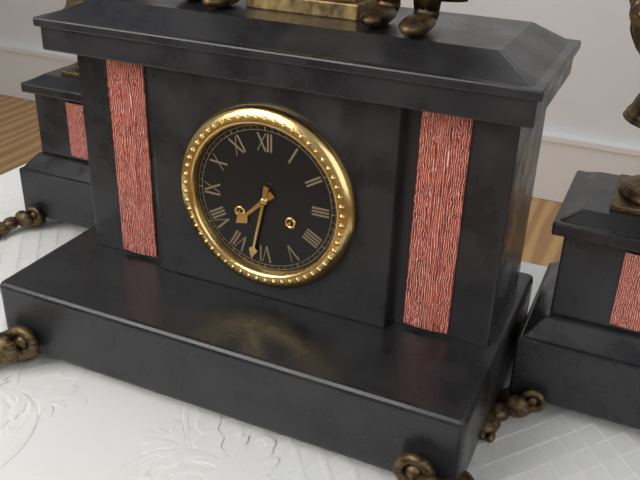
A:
h=7 m=32
